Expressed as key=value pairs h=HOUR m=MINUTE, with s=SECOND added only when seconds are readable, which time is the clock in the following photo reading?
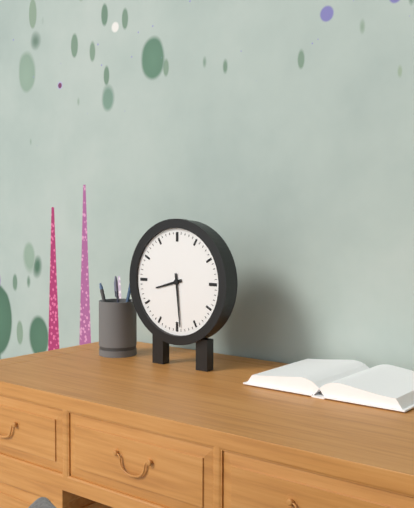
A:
h=8 m=29
